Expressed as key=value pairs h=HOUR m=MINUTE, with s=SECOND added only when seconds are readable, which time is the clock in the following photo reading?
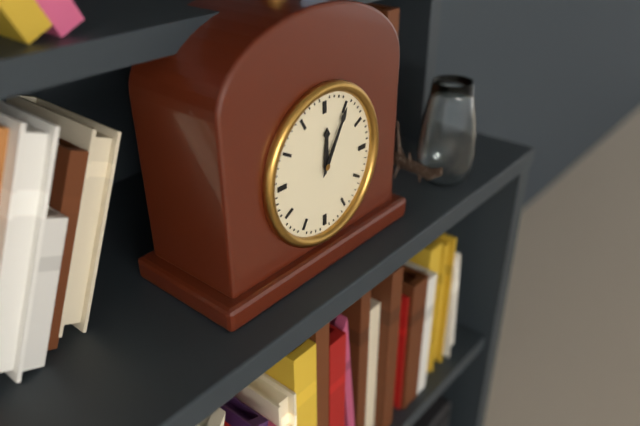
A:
h=12 m=5
